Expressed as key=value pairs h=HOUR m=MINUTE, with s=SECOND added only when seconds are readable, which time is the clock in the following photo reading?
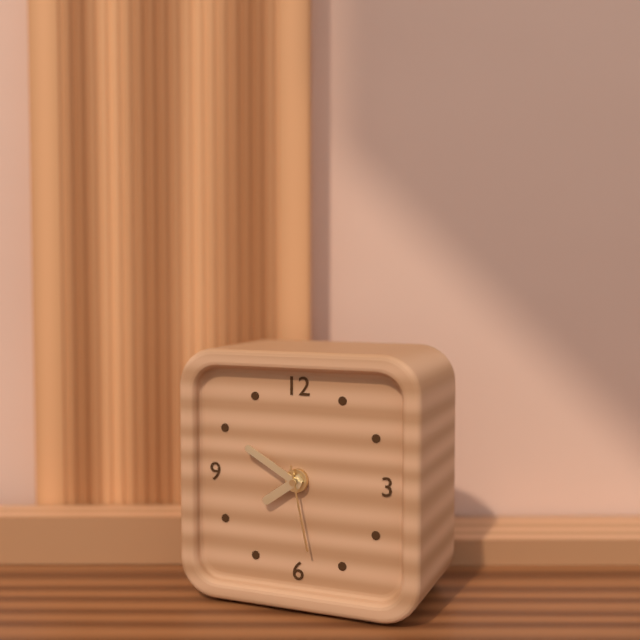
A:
h=7 m=50 s=28
